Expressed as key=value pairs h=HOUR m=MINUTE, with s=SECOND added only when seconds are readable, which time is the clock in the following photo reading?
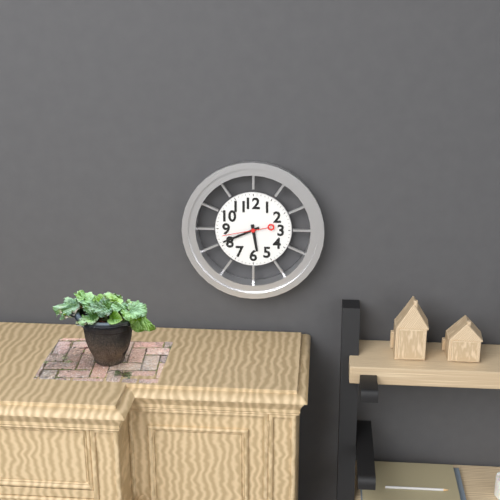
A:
h=5 m=41
